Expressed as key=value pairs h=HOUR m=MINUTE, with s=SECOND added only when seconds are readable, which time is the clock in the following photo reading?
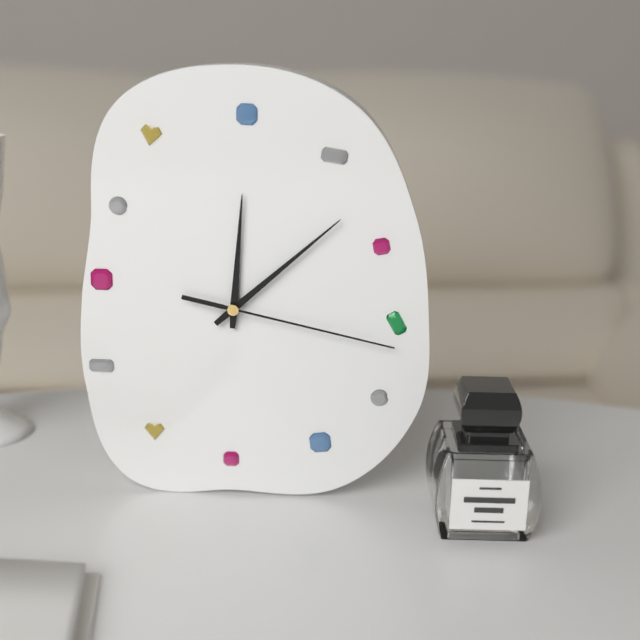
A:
h=12 m=8 s=17
